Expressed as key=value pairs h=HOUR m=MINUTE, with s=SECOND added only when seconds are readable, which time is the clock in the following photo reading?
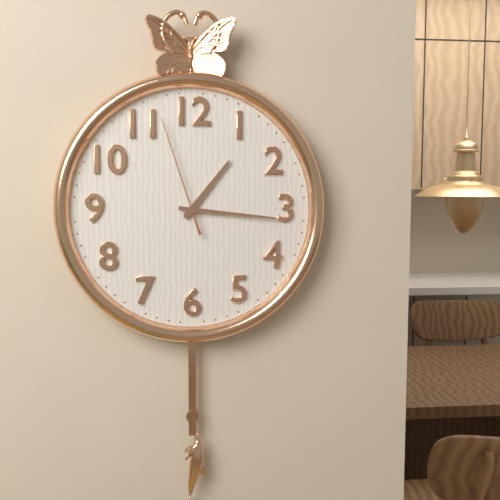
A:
h=1 m=16 s=57
